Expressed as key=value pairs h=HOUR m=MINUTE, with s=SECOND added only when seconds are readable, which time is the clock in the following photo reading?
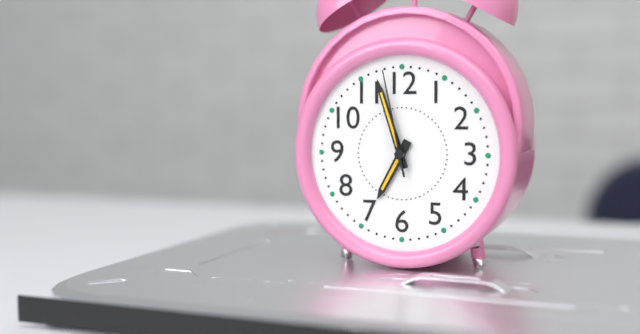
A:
h=6 m=57 s=58
